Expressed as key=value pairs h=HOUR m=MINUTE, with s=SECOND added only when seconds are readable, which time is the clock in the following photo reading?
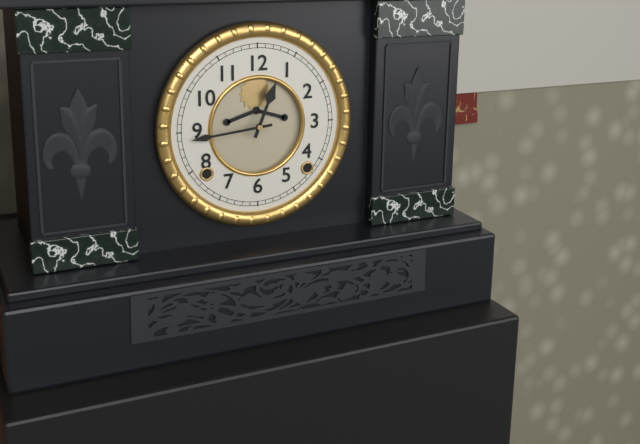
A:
h=12 m=44
